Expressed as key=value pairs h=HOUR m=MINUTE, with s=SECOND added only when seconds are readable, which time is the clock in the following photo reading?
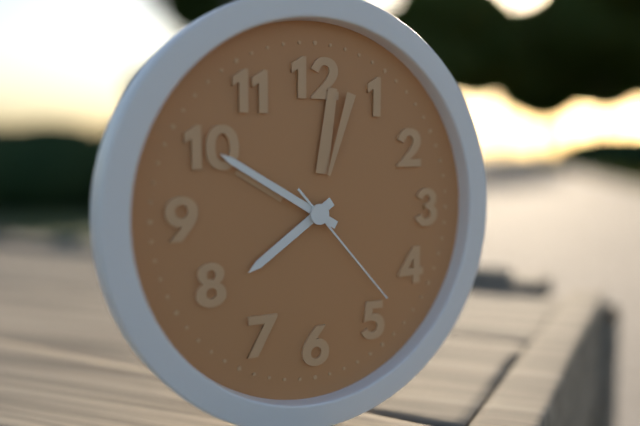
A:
h=7 m=50 s=23
